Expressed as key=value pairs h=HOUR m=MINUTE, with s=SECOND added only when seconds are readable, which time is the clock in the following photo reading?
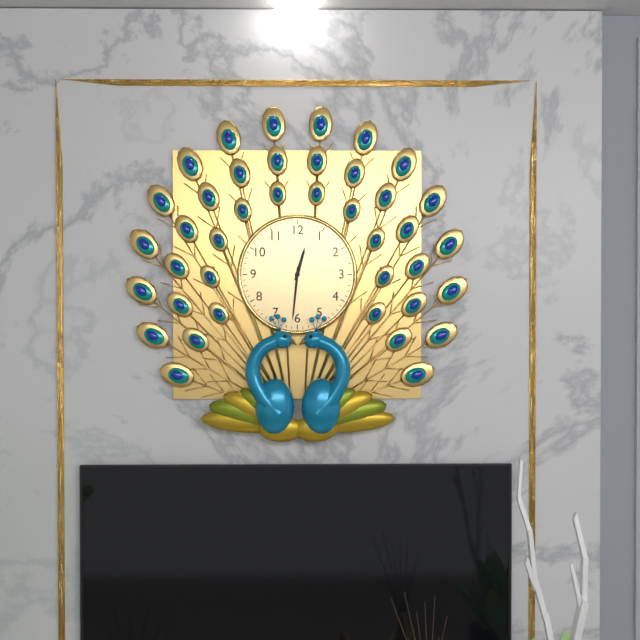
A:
h=12 m=31
